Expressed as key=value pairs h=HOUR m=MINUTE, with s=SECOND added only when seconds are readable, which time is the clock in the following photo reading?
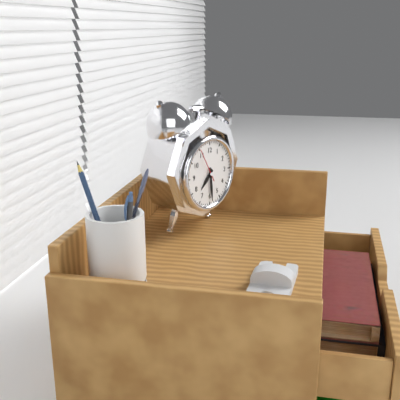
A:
h=7 m=29
